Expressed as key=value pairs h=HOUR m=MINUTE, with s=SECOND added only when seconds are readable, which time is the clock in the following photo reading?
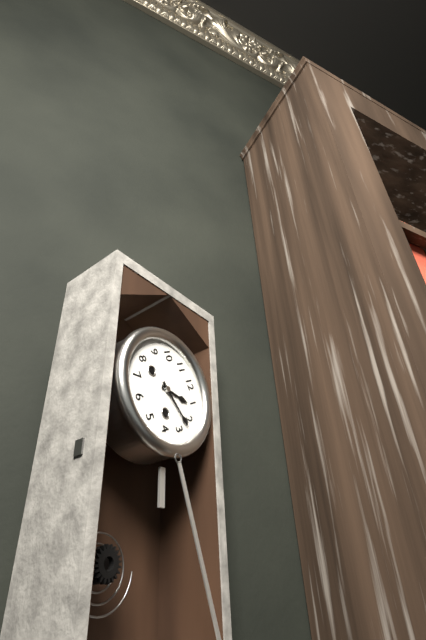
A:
h=1 m=12
